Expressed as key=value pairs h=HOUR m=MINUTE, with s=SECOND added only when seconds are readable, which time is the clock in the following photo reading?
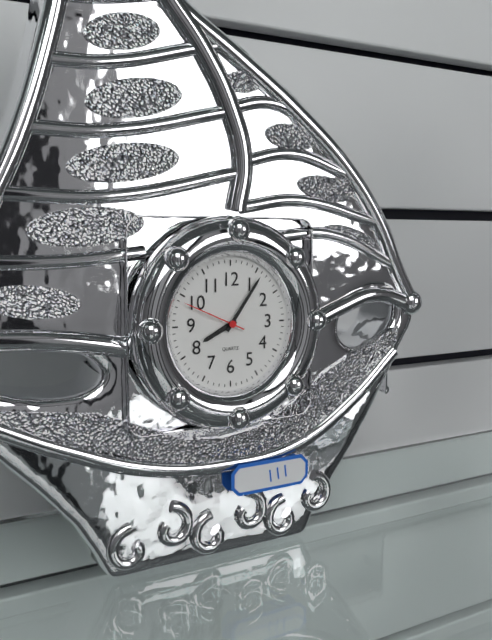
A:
h=8 m=6 s=49
